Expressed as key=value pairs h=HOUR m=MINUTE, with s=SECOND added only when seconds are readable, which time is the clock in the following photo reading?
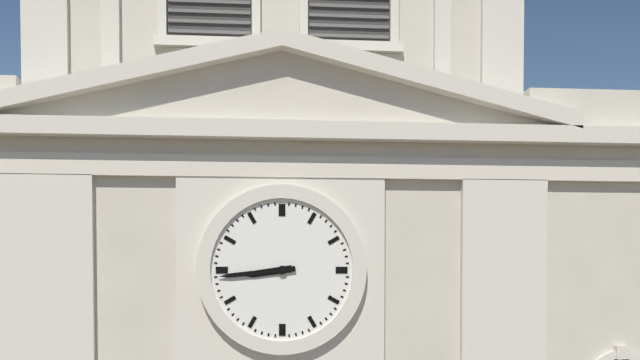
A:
h=8 m=44
